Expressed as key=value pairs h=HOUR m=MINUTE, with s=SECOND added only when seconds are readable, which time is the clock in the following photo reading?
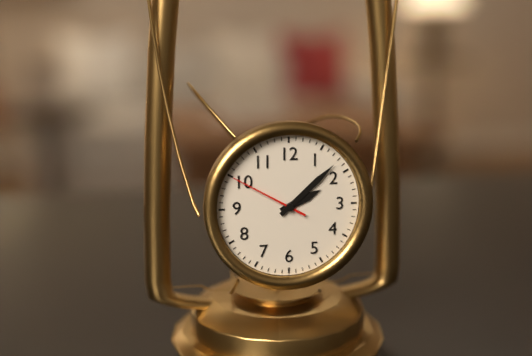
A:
h=2 m=8 s=50
